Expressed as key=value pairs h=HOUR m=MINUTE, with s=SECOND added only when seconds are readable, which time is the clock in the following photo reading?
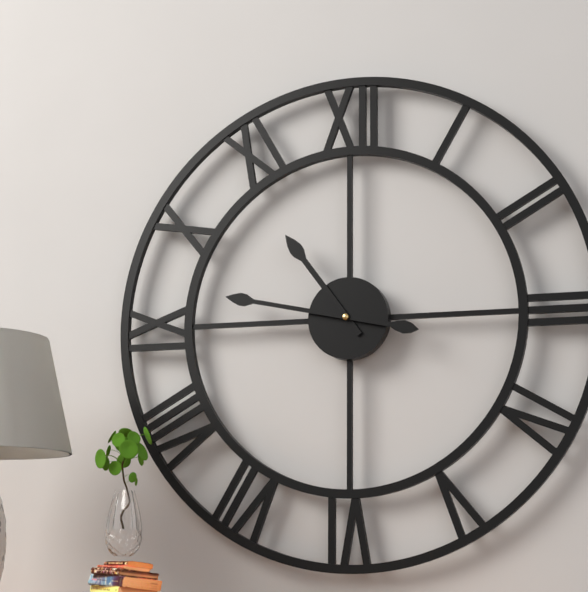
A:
h=10 m=47
